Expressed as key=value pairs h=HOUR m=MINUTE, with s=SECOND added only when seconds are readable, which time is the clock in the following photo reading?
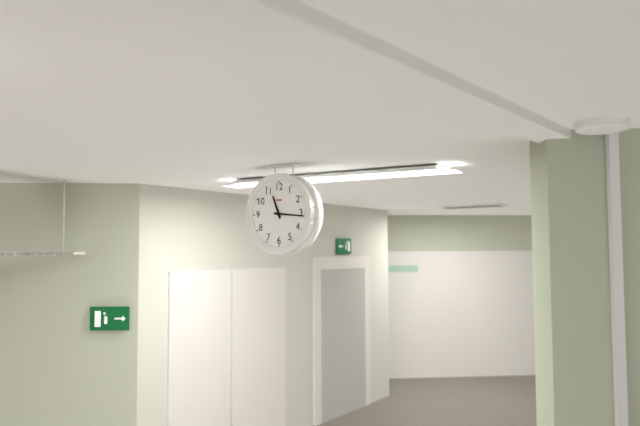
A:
h=11 m=16
